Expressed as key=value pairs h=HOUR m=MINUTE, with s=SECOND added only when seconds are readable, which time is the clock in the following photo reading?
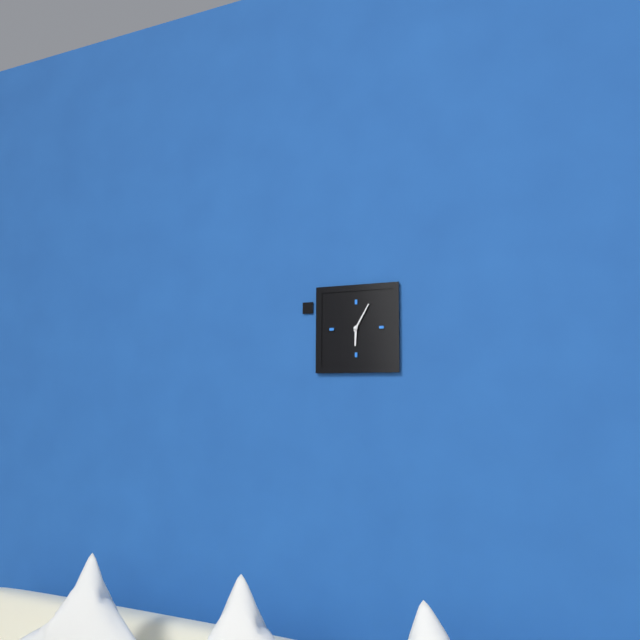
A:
h=6 m=5
